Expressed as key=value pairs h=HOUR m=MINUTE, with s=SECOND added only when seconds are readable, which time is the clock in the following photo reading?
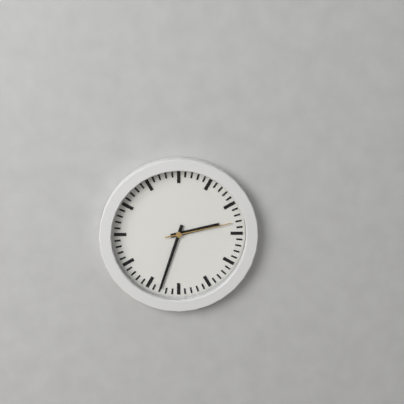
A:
h=2 m=33 s=13
